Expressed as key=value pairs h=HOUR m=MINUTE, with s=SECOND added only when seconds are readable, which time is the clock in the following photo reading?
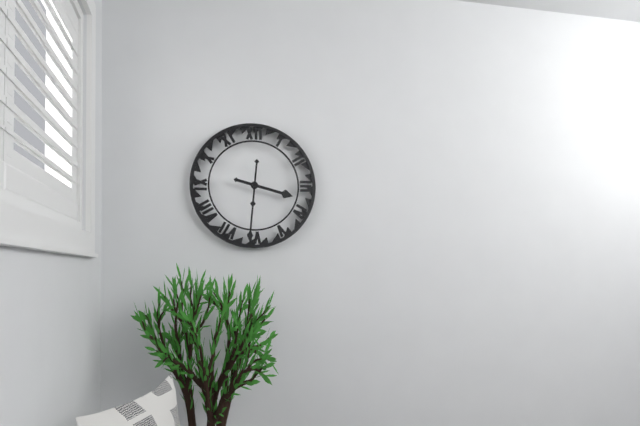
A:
h=3 m=31
